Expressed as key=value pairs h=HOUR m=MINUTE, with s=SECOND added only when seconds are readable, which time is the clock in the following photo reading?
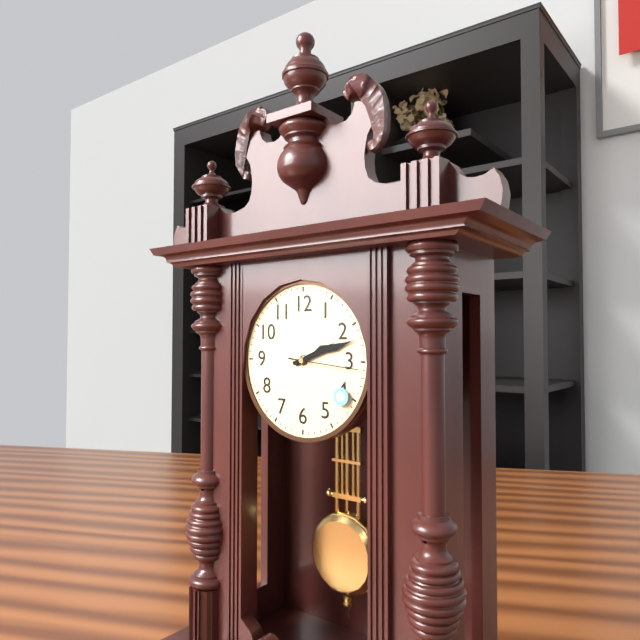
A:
h=2 m=12 s=16
